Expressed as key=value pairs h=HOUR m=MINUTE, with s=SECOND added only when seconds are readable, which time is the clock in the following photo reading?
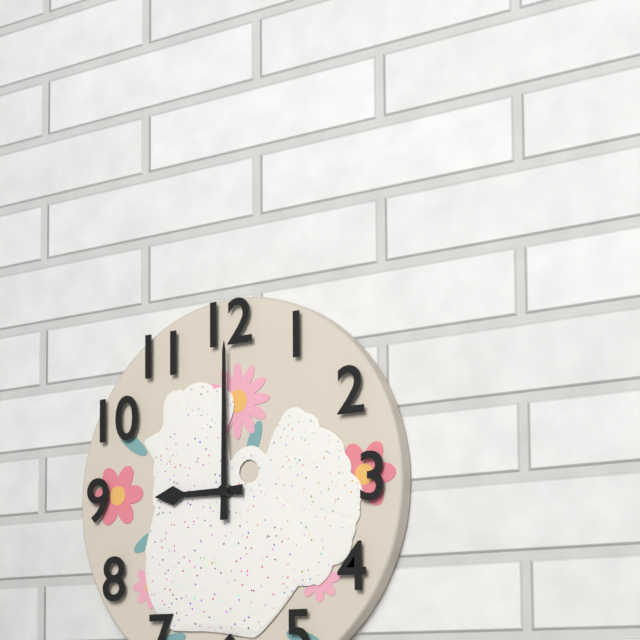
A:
h=9 m=0
